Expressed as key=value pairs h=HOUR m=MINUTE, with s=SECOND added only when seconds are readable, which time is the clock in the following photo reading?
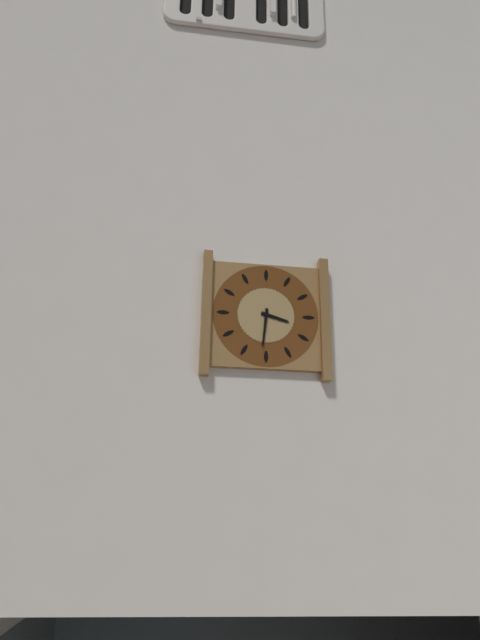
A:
h=3 m=31
